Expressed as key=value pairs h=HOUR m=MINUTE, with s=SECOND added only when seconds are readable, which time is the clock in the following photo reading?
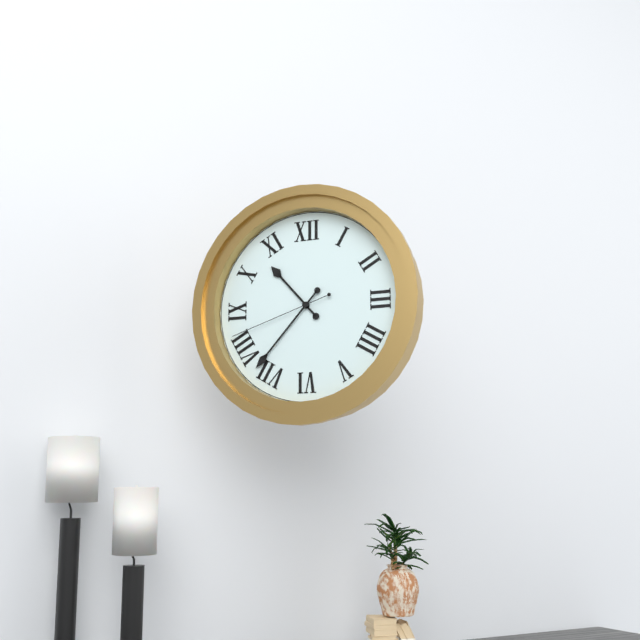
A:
h=10 m=37 s=42
